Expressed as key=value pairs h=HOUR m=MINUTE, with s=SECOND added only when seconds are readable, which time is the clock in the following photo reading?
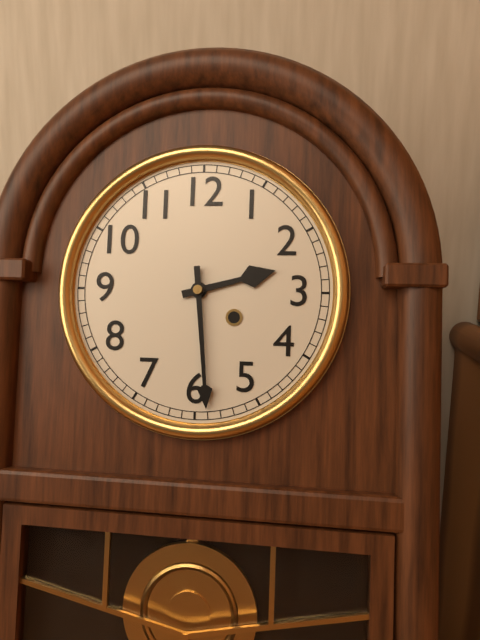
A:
h=2 m=29
